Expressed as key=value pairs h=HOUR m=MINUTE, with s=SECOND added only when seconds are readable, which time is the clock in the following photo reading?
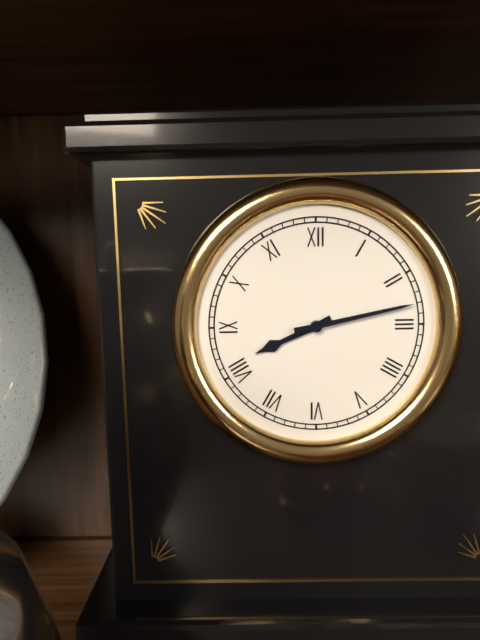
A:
h=8 m=13
